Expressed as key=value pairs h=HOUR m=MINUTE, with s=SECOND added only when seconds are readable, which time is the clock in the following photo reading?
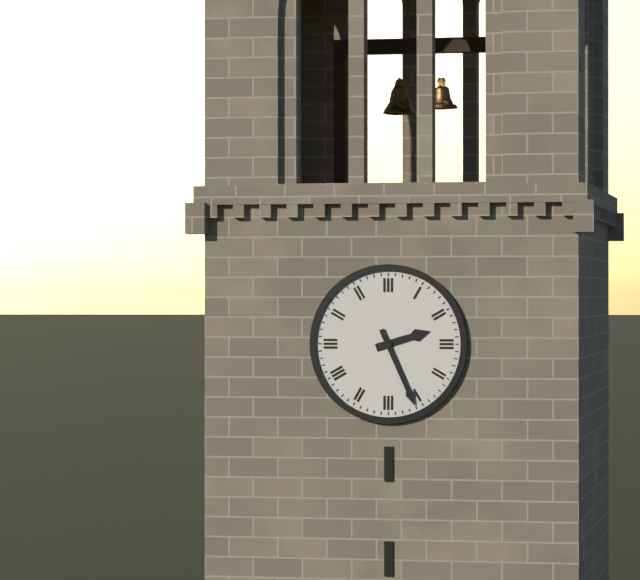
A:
h=2 m=26
